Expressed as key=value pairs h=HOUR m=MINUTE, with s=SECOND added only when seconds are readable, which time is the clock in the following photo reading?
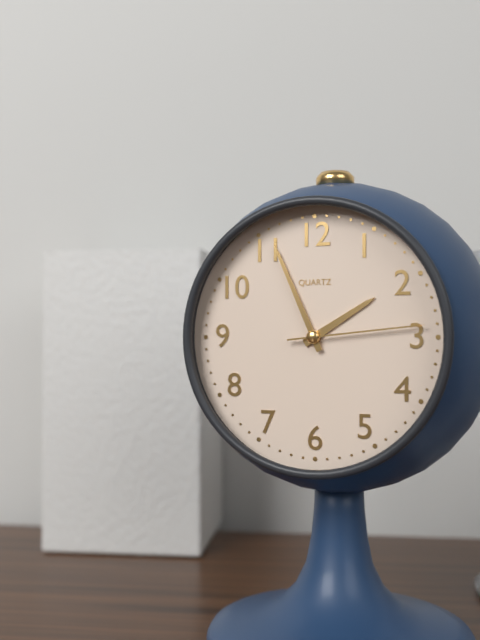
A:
h=1 m=56 s=14
